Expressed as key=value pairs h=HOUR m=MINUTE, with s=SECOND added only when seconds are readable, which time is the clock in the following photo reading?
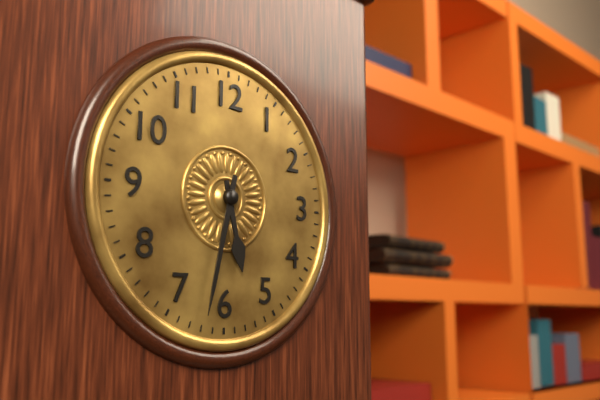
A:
h=5 m=32
